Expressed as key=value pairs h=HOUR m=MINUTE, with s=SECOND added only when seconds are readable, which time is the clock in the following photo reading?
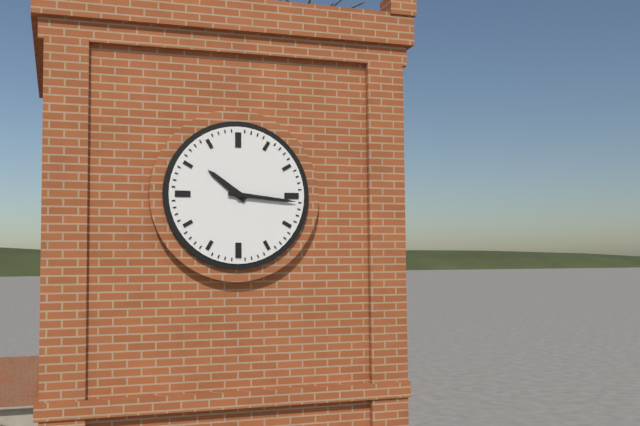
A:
h=10 m=16
